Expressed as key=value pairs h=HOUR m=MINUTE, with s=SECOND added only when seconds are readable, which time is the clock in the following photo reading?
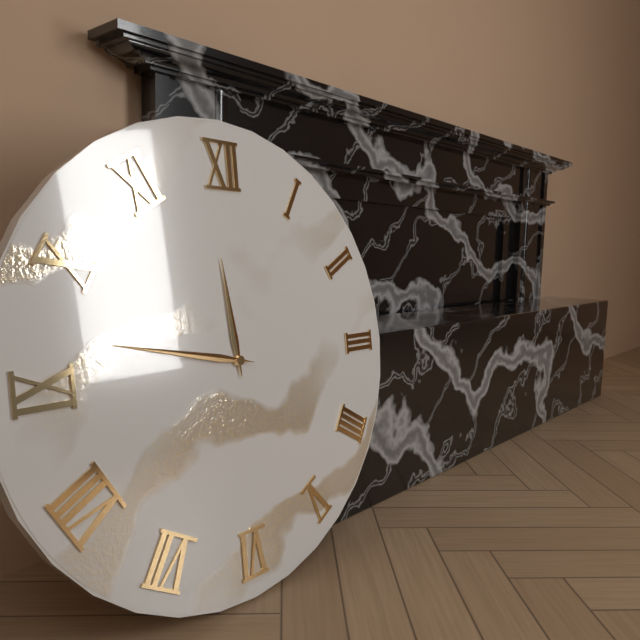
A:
h=11 m=47
